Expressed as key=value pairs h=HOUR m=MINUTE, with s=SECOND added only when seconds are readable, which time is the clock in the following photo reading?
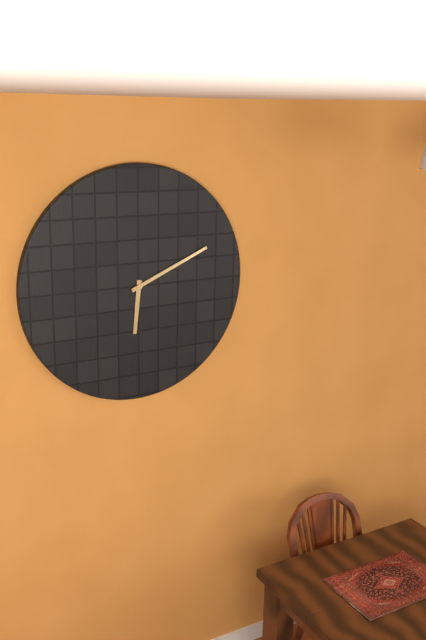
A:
h=6 m=11
